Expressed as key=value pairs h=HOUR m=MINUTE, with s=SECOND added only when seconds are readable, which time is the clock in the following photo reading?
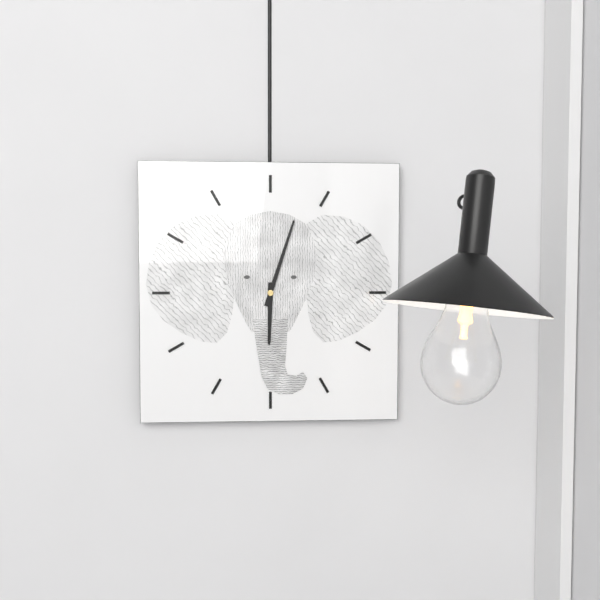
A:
h=6 m=3
